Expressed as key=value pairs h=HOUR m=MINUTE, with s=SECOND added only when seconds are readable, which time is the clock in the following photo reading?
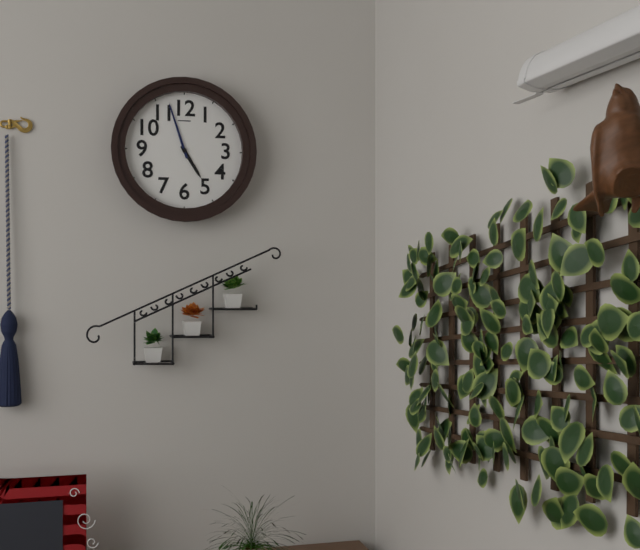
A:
h=4 m=57
